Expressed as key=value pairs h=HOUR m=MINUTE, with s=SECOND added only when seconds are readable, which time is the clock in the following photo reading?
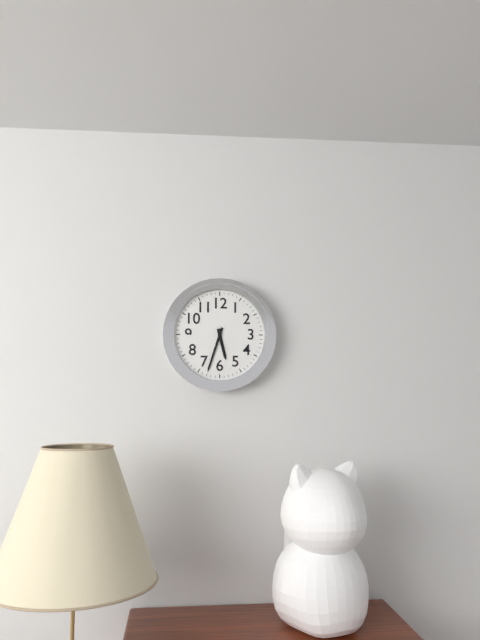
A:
h=5 m=33
